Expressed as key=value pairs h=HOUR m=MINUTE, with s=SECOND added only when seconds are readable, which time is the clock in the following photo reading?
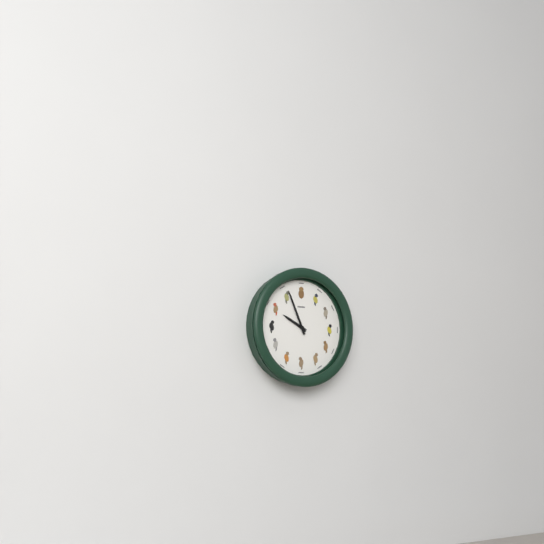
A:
h=9 m=56
